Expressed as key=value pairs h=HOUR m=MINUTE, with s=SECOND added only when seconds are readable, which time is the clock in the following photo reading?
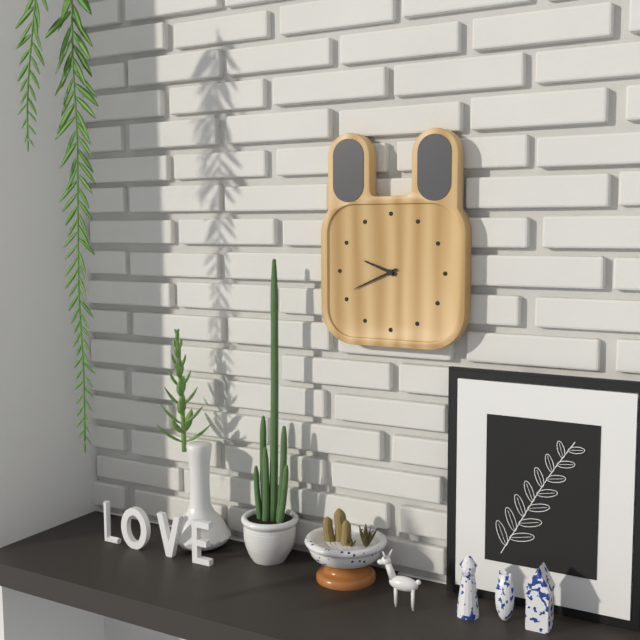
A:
h=9 m=41
